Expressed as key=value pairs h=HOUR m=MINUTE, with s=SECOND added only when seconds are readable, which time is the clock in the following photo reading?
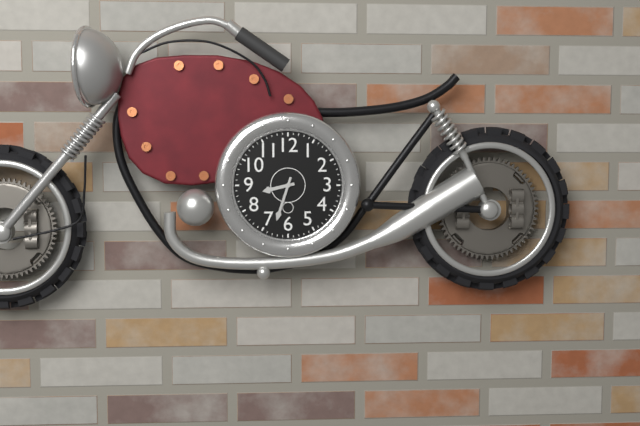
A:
h=8 m=33
